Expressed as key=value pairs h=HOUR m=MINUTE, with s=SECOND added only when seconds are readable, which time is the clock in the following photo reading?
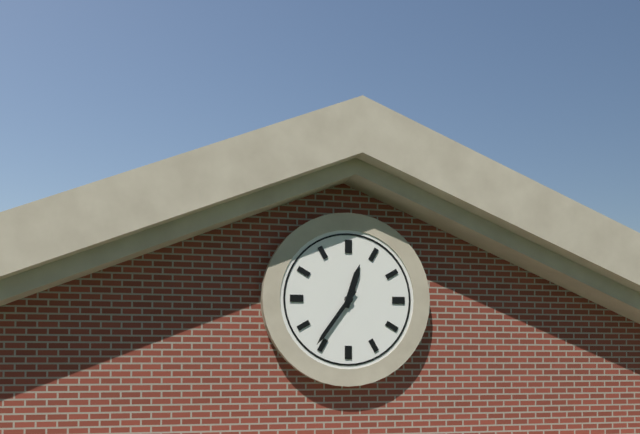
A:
h=12 m=36
